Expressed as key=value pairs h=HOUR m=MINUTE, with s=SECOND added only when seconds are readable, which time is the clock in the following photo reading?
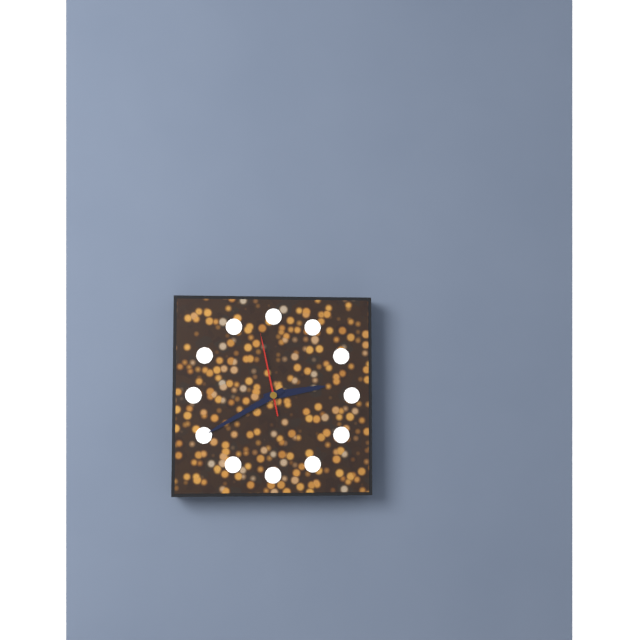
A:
h=2 m=40 s=58
